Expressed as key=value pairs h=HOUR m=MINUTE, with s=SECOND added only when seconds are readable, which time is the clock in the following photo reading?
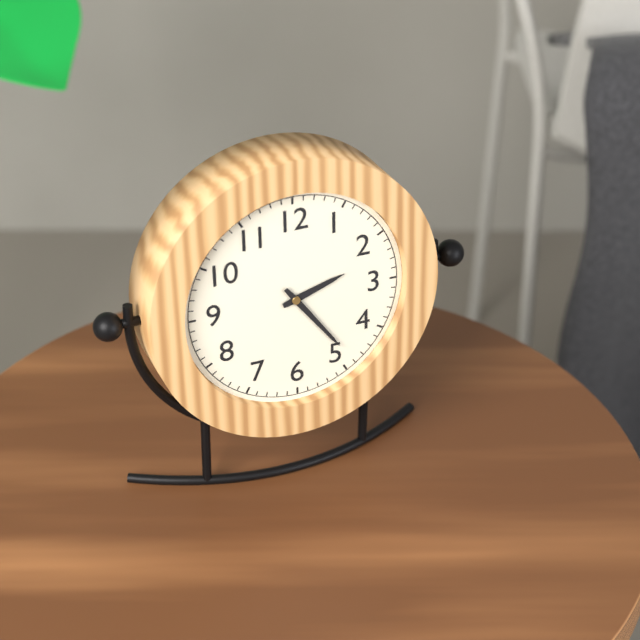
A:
h=2 m=24
